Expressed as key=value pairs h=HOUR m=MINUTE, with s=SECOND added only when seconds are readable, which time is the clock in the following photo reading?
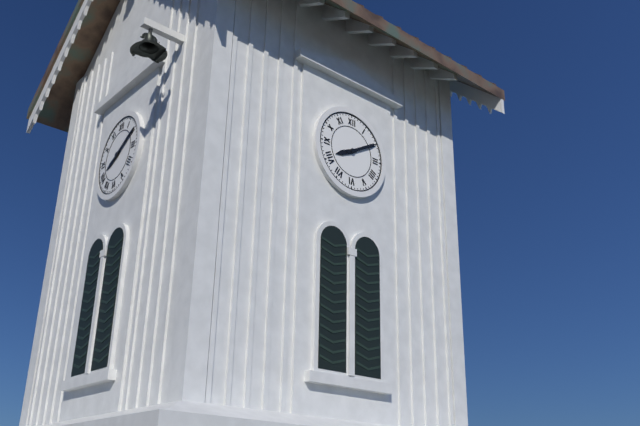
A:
h=8 m=10
